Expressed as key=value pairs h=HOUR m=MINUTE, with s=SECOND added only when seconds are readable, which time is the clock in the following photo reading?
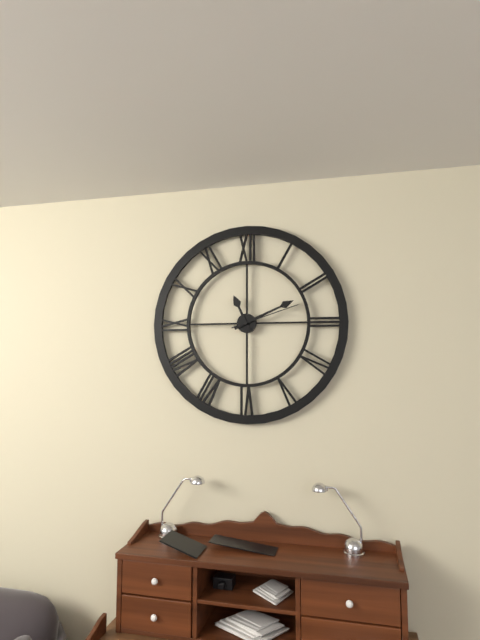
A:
h=11 m=11 s=12
